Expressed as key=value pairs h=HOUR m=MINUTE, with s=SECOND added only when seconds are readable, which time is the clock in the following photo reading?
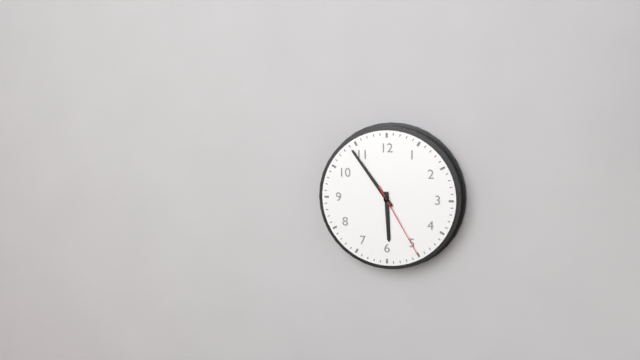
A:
h=5 m=54 s=25
